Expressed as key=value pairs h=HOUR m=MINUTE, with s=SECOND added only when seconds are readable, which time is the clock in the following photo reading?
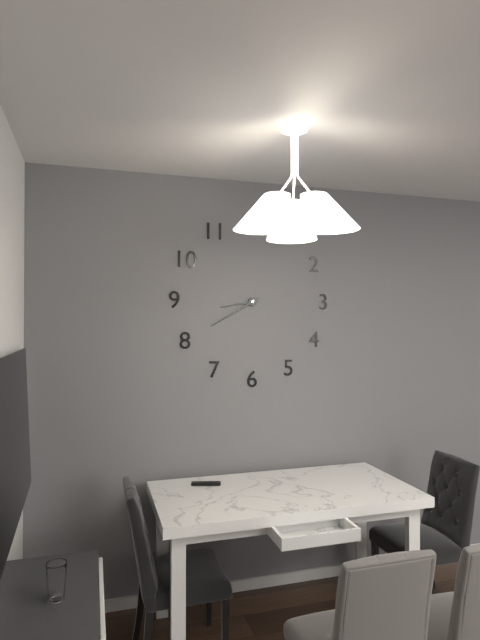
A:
h=8 m=40
